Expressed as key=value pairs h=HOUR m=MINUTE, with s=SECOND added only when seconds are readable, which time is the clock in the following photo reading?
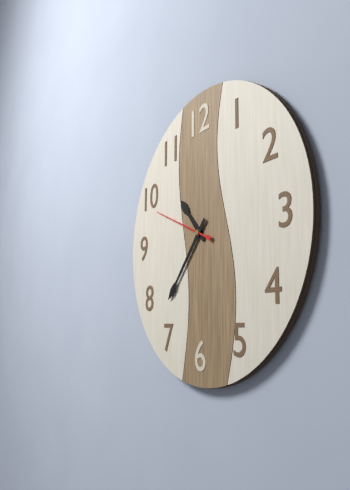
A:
h=10 m=37 s=49
